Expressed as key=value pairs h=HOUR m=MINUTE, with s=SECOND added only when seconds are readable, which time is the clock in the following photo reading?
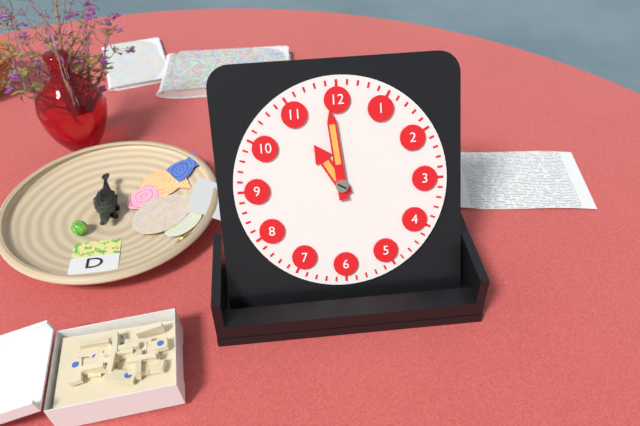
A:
h=10 m=59
